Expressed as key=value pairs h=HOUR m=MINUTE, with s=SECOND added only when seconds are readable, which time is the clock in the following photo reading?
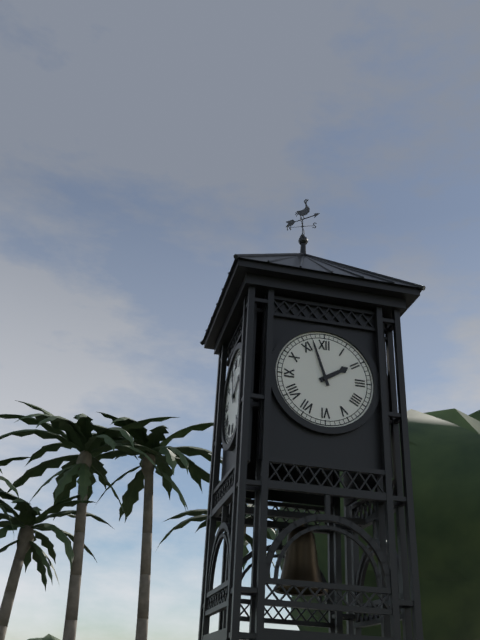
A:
h=1 m=57
